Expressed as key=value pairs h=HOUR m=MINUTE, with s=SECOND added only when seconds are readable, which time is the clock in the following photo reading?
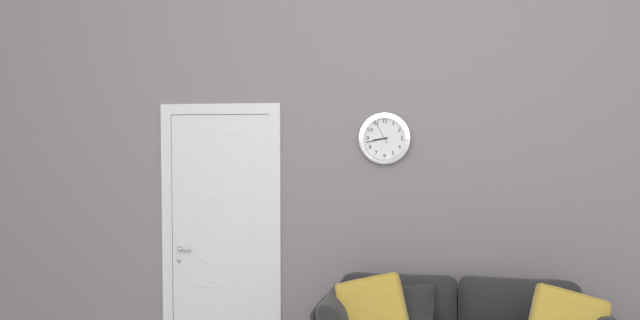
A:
h=8 m=43
